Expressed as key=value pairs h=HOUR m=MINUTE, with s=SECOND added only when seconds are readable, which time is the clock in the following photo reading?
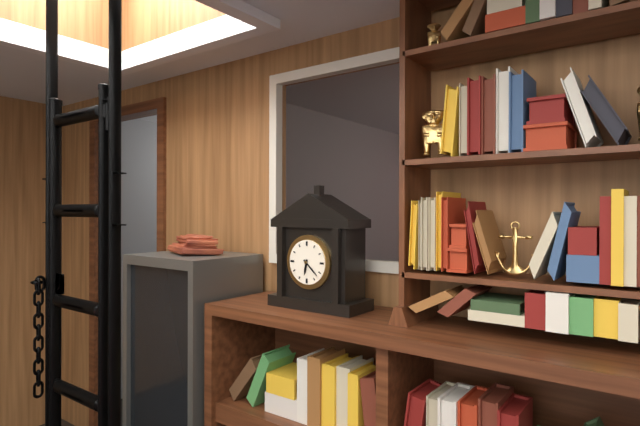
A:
h=6 m=22
